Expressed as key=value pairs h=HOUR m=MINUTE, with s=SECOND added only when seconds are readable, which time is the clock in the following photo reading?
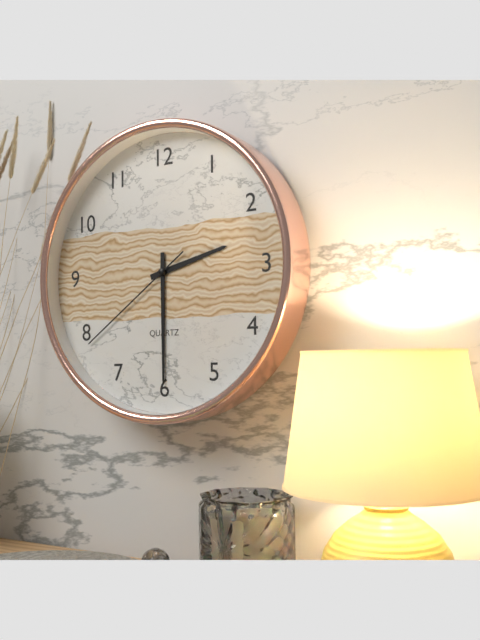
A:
h=2 m=30 s=39
